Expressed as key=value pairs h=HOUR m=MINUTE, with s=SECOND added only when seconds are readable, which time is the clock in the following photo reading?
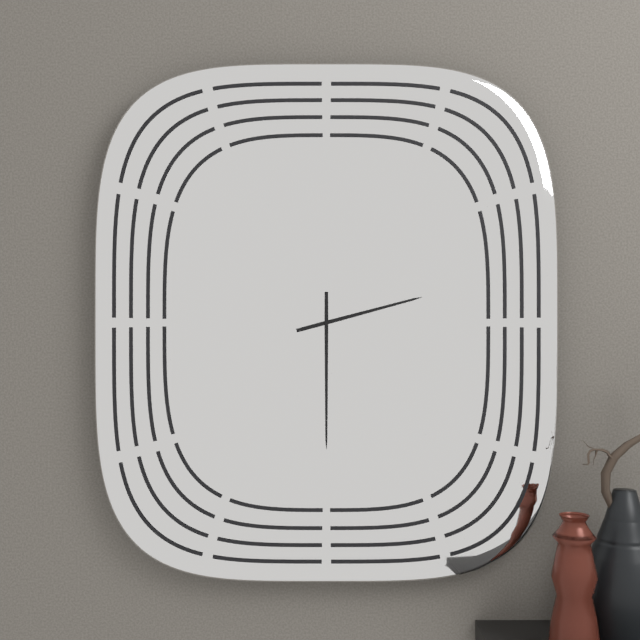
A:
h=2 m=30
